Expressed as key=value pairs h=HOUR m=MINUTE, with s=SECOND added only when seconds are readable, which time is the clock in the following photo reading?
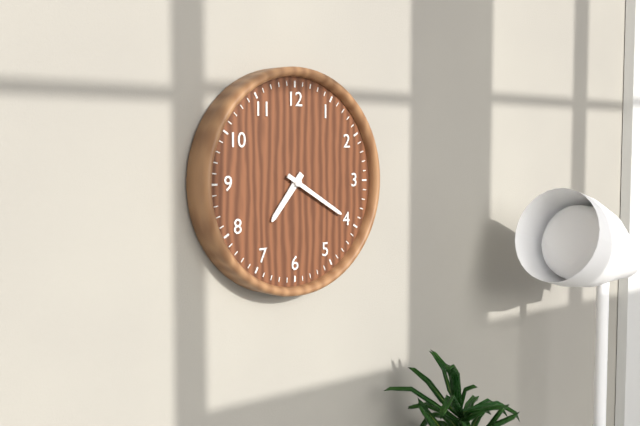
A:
h=7 m=20
